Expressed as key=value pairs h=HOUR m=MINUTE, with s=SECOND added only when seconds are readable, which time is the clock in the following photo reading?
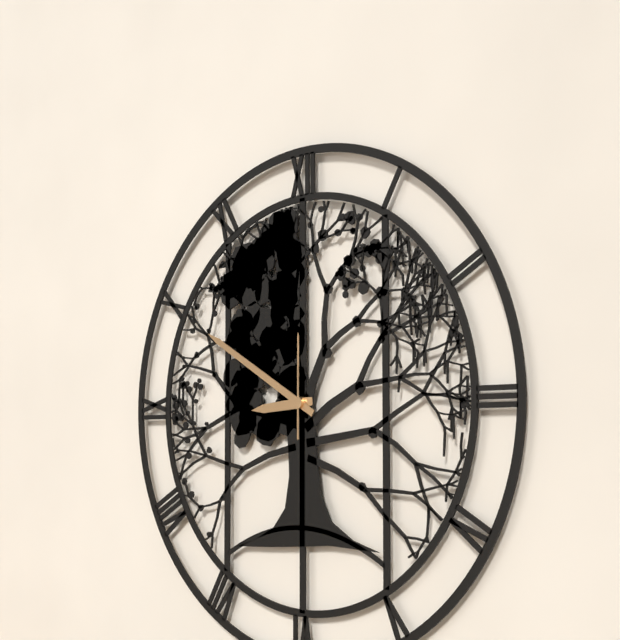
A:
h=8 m=50 s=0
